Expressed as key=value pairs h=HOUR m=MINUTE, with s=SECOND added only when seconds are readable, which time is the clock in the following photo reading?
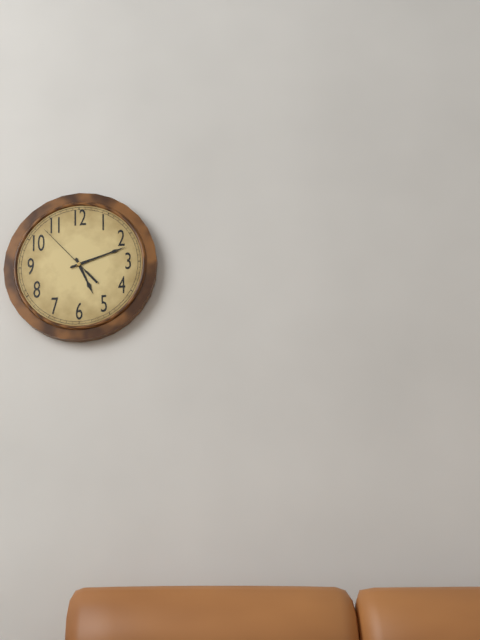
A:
h=5 m=12 s=53
